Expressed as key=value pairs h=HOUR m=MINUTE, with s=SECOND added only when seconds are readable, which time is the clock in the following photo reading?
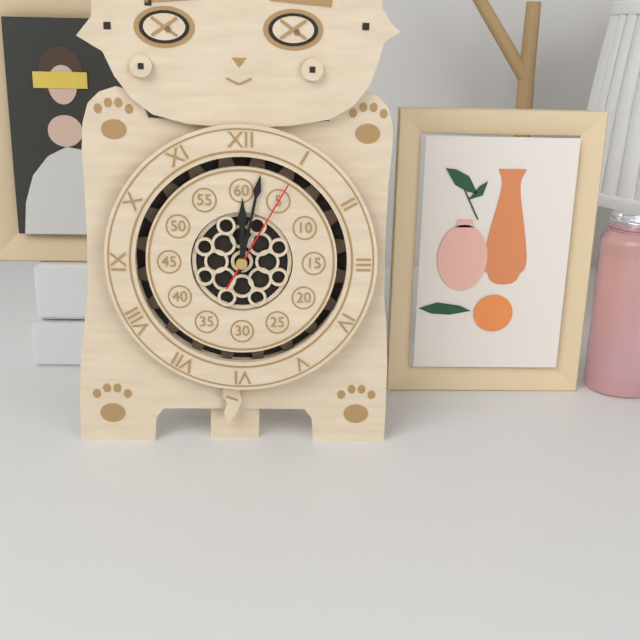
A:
h=12 m=2 s=5
